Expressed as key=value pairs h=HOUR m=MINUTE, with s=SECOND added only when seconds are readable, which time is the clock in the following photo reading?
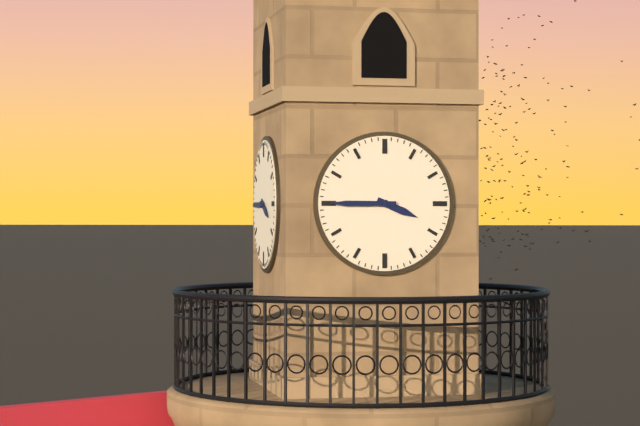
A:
h=3 m=45
